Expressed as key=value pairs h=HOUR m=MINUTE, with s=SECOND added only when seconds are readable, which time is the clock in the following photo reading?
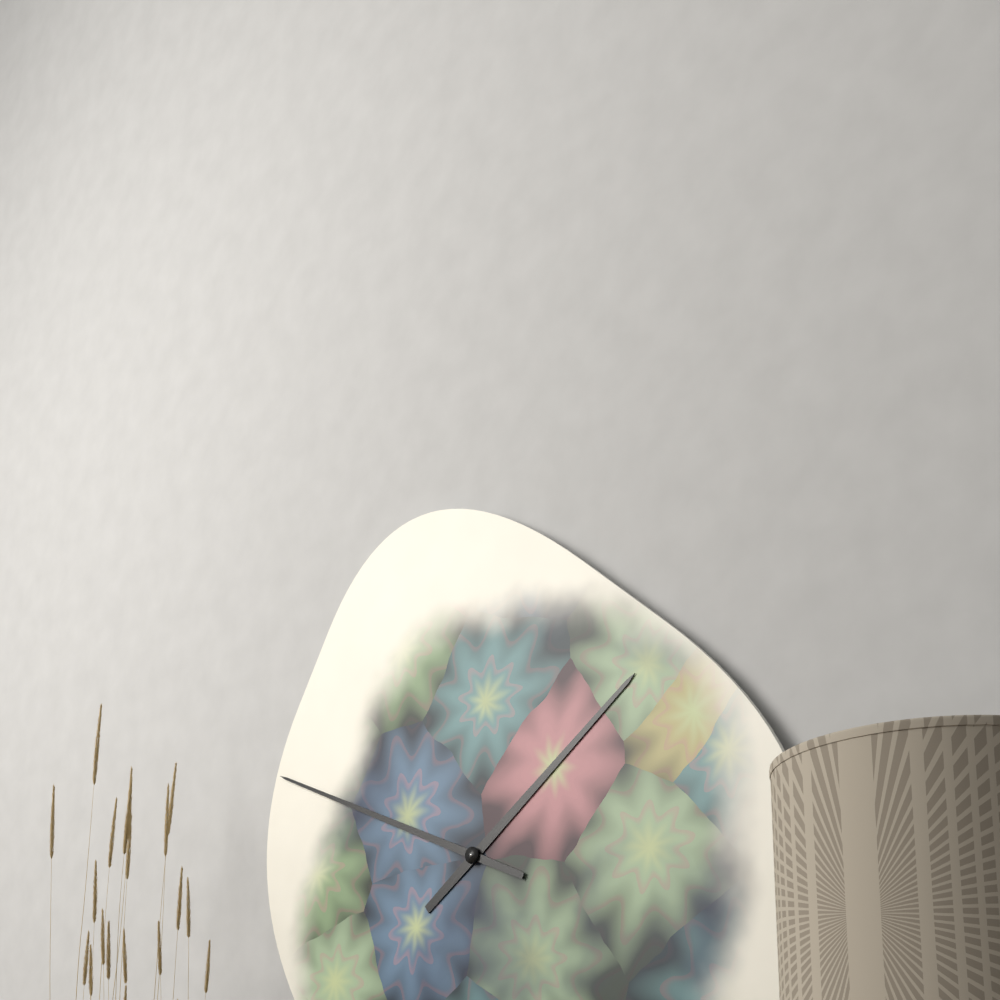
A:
h=1 m=49
